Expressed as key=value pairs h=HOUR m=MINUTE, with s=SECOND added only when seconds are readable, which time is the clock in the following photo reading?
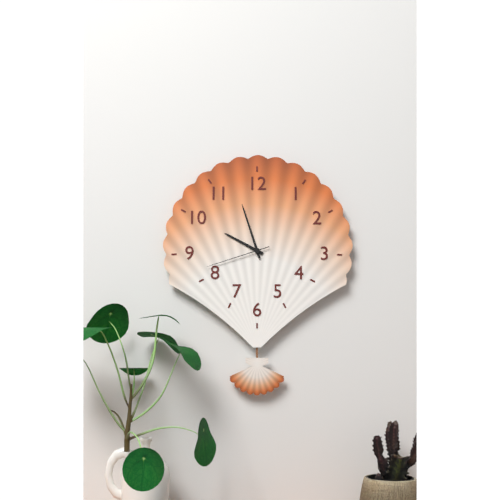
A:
h=9 m=57 s=42
